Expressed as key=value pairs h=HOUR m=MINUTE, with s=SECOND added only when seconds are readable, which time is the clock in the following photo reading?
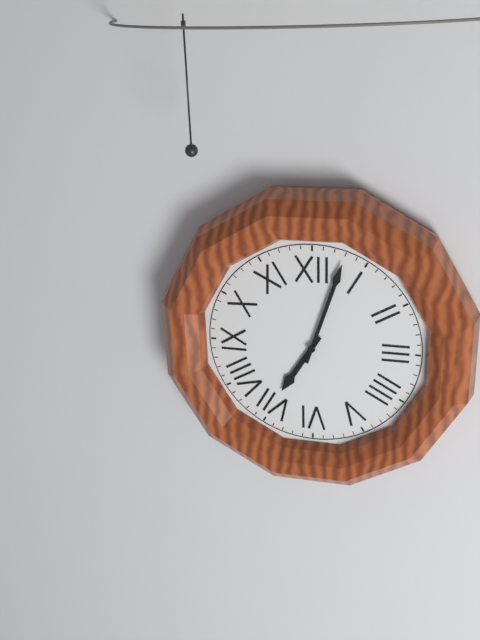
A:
h=7 m=3
